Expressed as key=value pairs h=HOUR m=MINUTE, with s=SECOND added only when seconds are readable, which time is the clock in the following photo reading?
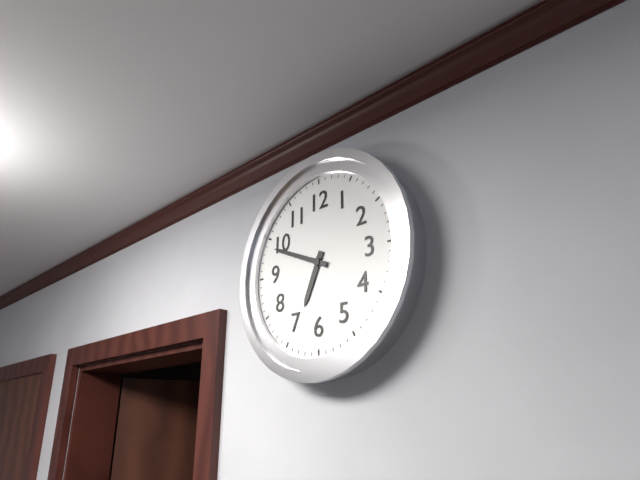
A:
h=6 m=49
